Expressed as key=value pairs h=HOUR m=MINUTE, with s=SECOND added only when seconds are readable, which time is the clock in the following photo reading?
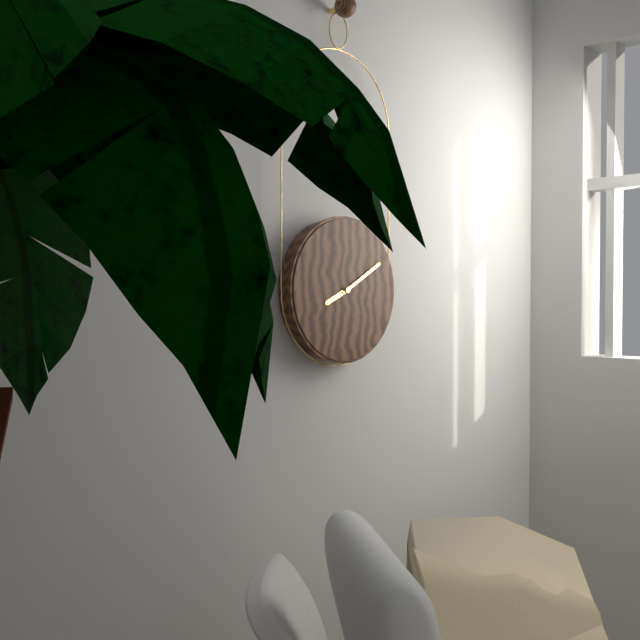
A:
h=8 m=10
